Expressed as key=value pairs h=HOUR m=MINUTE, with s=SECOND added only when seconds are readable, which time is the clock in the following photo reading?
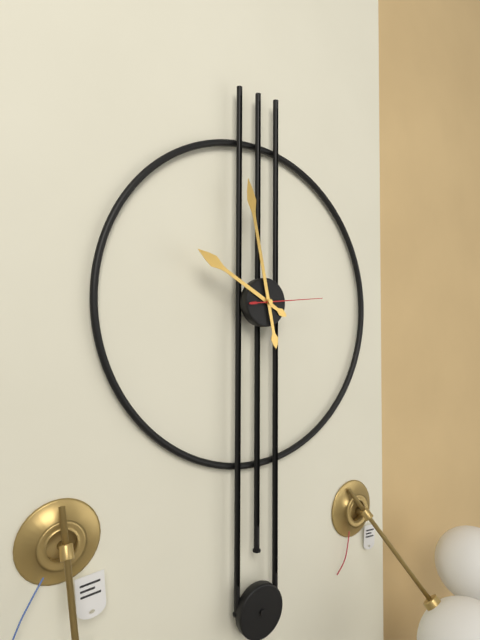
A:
h=9 m=58 s=14
